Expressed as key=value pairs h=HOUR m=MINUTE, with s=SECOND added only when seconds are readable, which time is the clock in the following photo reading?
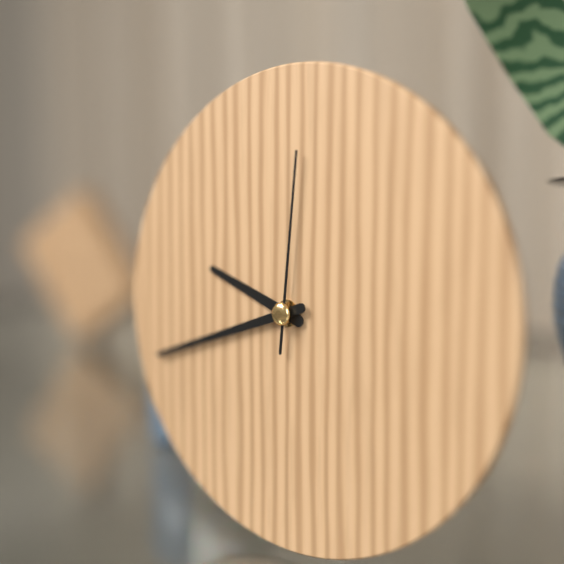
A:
h=9 m=42 s=1
